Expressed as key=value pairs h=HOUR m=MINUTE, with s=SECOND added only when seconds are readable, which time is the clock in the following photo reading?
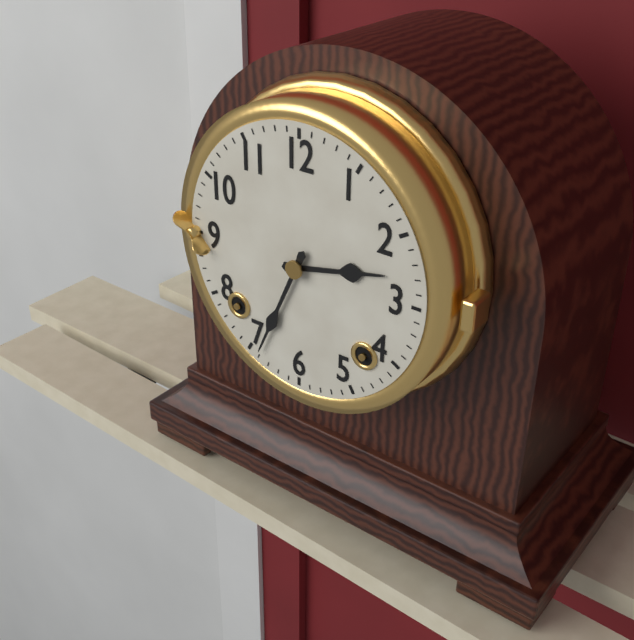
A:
h=2 m=34
